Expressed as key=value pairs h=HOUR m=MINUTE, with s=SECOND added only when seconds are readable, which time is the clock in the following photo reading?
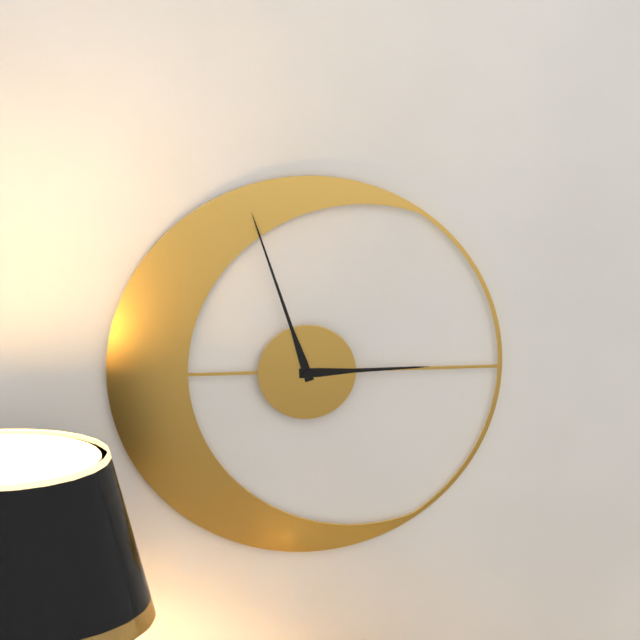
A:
h=2 m=57
